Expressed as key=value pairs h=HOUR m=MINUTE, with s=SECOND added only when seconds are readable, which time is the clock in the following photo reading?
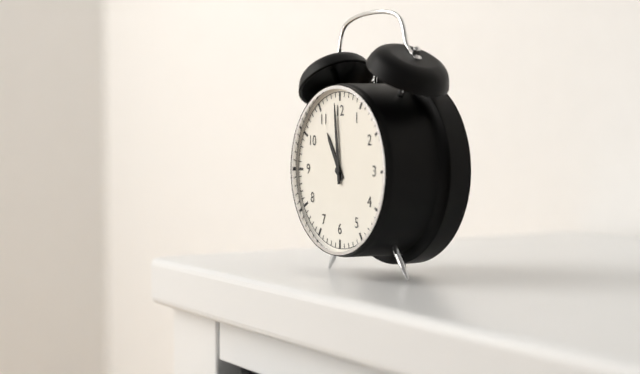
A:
h=10 m=59
